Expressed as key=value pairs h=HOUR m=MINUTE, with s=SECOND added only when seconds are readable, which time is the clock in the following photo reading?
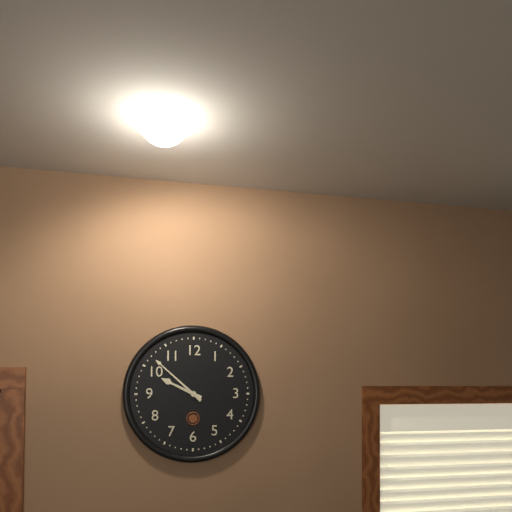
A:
h=9 m=52
